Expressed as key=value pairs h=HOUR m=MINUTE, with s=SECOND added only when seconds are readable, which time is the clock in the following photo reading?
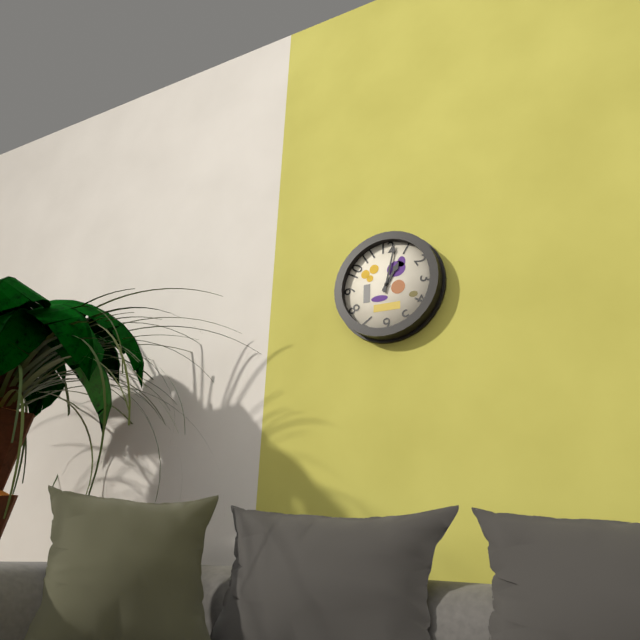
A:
h=1 m=2
